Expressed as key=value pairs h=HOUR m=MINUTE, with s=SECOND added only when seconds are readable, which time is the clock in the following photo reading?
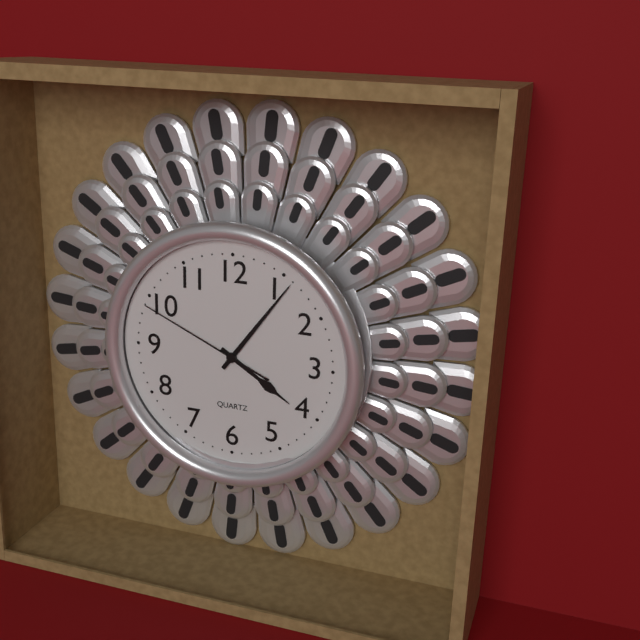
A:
h=4 m=6 s=49
